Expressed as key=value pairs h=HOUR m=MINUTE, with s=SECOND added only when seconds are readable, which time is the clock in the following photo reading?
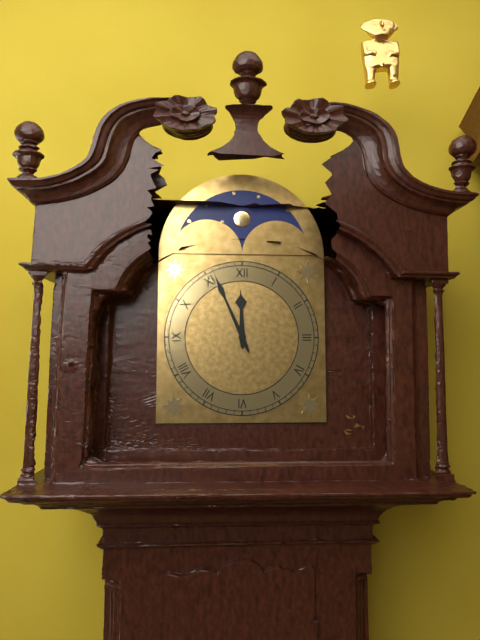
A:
h=11 m=56
